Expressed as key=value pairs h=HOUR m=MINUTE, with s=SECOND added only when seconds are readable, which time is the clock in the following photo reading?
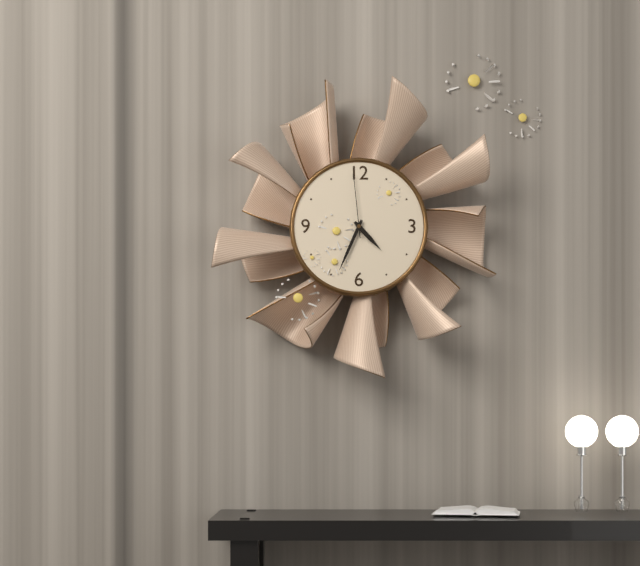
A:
h=4 m=34 s=59
